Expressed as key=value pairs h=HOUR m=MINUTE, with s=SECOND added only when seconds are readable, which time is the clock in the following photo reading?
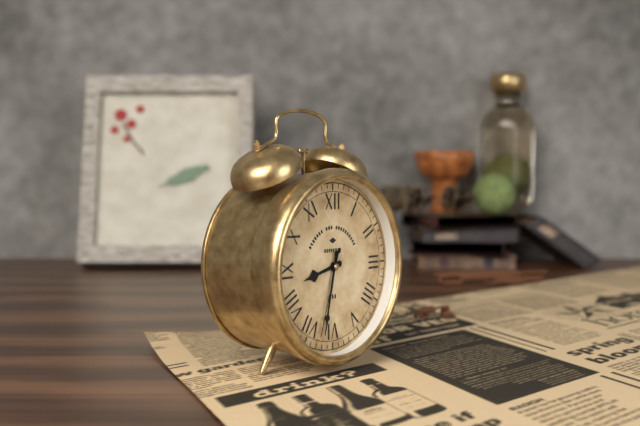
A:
h=8 m=32 s=33
